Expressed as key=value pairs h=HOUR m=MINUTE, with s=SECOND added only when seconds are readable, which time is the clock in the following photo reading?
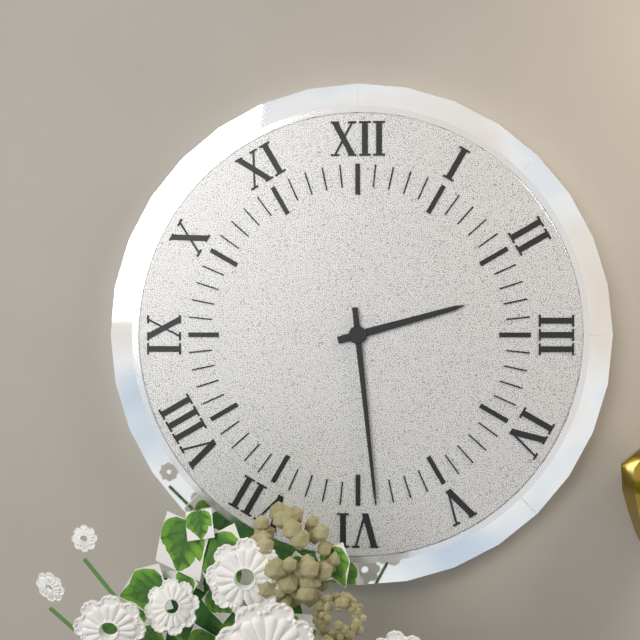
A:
h=2 m=29
